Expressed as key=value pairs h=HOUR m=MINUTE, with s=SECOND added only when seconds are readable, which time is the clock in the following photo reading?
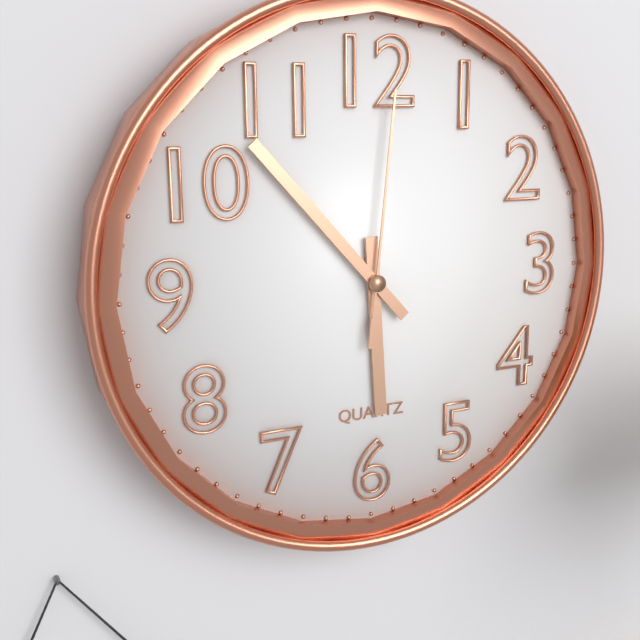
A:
h=5 m=53 s=1
